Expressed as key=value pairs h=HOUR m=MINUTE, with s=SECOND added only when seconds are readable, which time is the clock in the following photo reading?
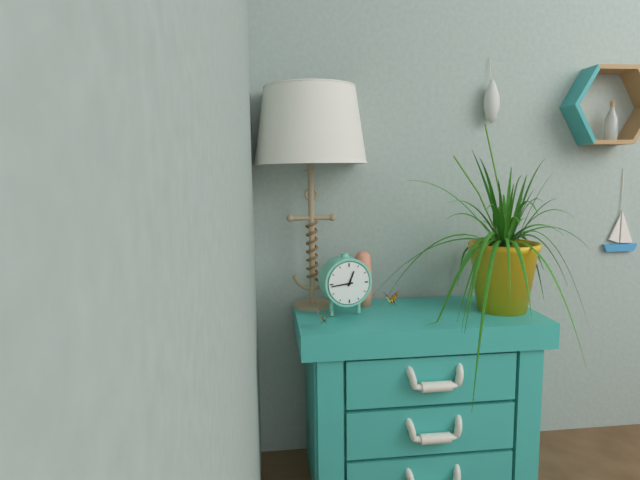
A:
h=12 m=44
